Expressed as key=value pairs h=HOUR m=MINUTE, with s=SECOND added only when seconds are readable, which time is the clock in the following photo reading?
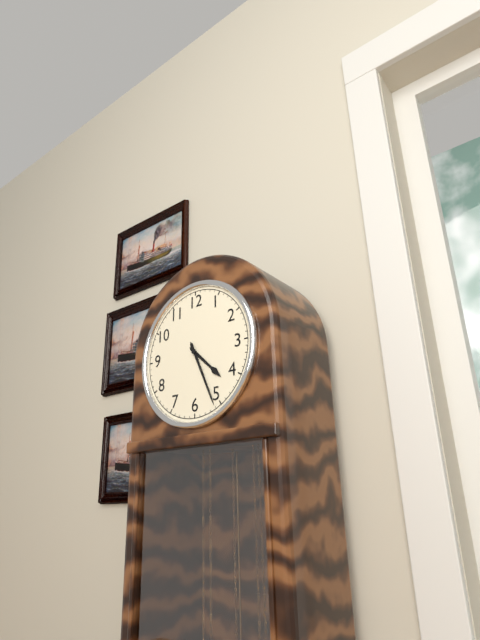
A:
h=4 m=26
